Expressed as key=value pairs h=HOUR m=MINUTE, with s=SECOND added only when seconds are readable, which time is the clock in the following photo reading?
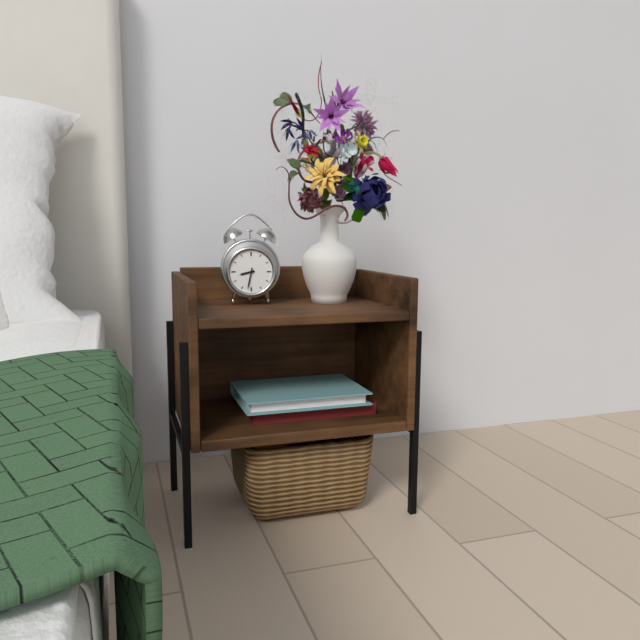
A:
h=8 m=32
